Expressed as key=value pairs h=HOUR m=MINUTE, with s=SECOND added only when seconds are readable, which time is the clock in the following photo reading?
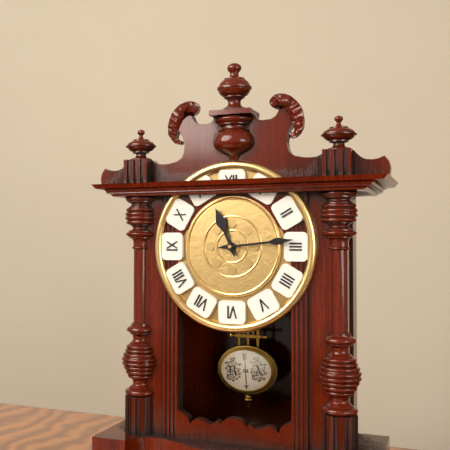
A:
h=11 m=14
